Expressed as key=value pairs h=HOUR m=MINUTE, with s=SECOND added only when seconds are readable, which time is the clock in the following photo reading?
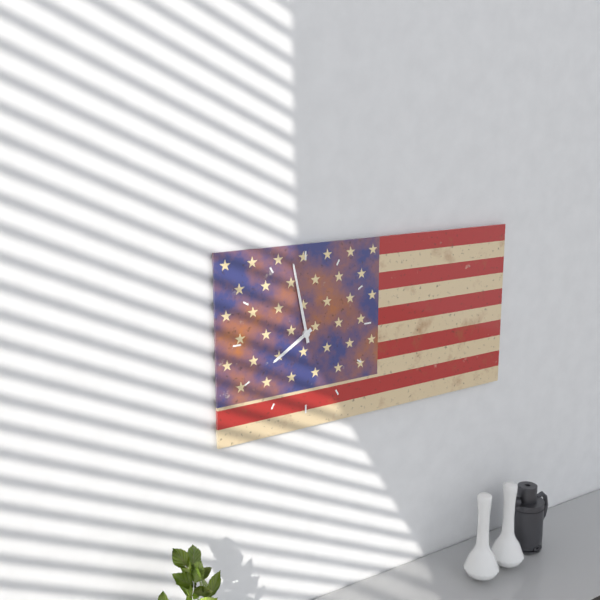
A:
h=7 m=58
